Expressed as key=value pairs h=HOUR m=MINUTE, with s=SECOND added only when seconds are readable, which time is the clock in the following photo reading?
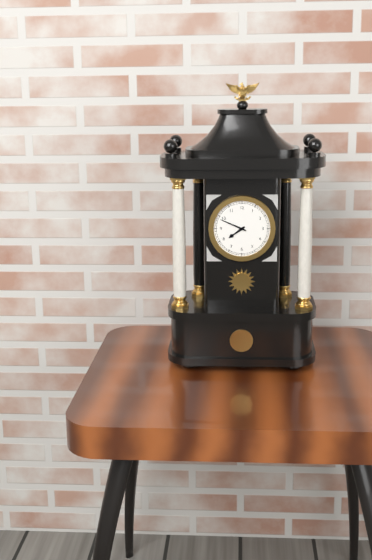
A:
h=7 m=49
